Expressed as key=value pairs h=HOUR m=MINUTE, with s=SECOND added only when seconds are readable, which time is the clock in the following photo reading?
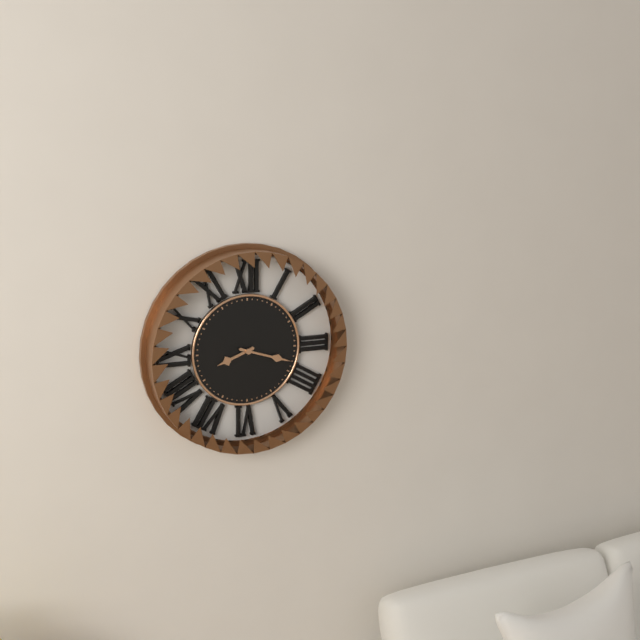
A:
h=8 m=18
